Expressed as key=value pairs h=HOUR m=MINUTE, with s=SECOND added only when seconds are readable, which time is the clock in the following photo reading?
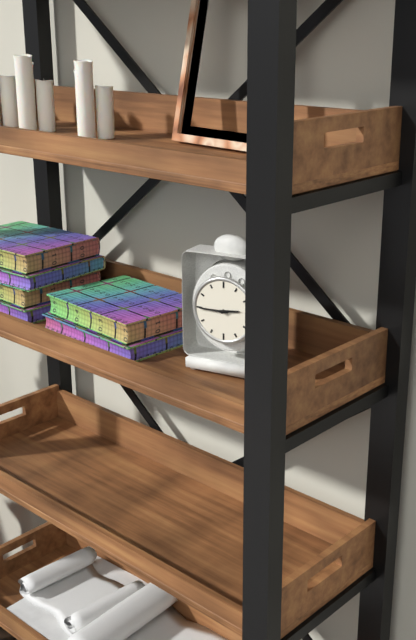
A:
h=2 m=45
